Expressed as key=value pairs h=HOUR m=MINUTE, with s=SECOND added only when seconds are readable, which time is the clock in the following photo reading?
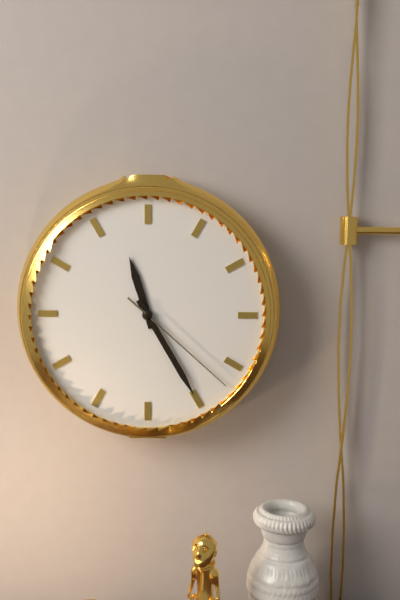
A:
h=11 m=25 s=22
